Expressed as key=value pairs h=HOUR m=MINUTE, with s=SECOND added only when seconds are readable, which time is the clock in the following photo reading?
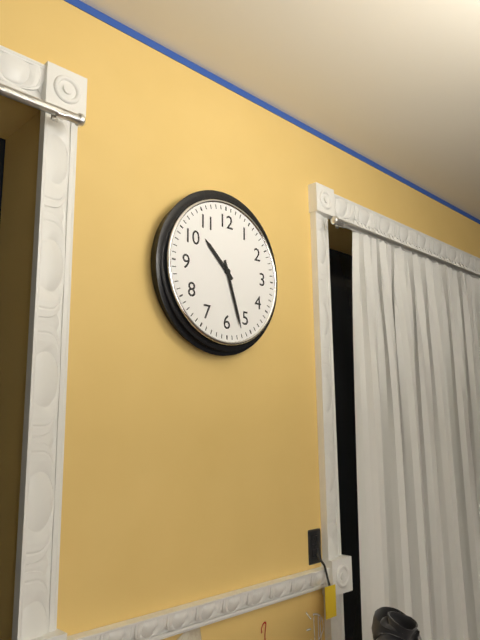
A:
h=10 m=27
